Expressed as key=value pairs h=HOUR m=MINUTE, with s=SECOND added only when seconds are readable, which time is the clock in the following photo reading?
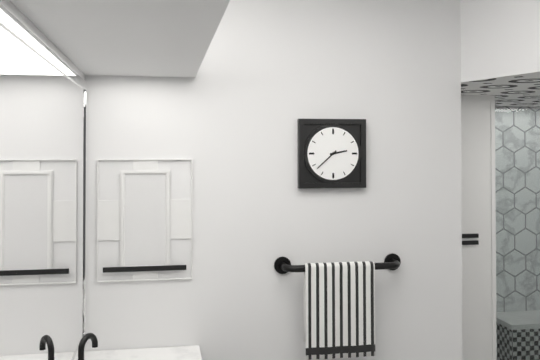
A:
h=2 m=38
